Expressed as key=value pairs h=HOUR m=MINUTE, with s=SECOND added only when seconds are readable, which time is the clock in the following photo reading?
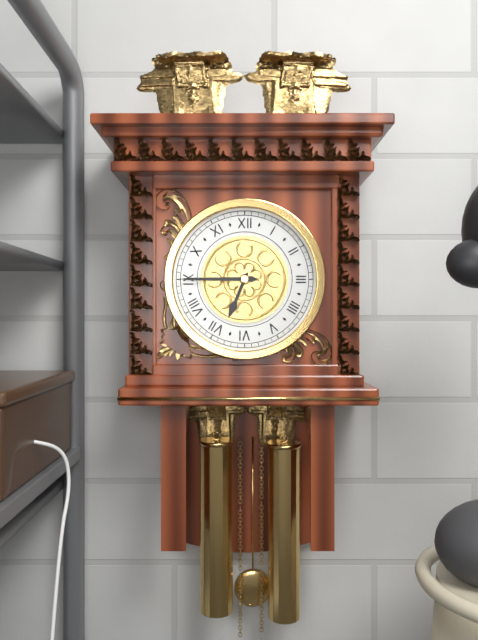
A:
h=6 m=45
